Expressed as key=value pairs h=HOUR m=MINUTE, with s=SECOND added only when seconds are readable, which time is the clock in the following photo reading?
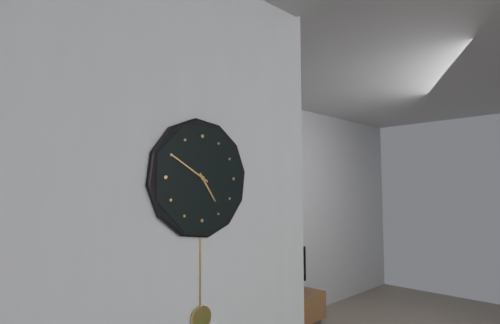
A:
h=4 m=50
